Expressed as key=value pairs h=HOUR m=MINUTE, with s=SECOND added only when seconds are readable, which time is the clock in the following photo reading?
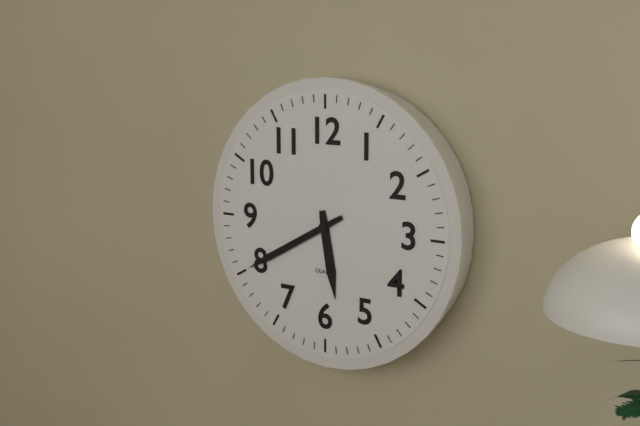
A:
h=5 m=40
